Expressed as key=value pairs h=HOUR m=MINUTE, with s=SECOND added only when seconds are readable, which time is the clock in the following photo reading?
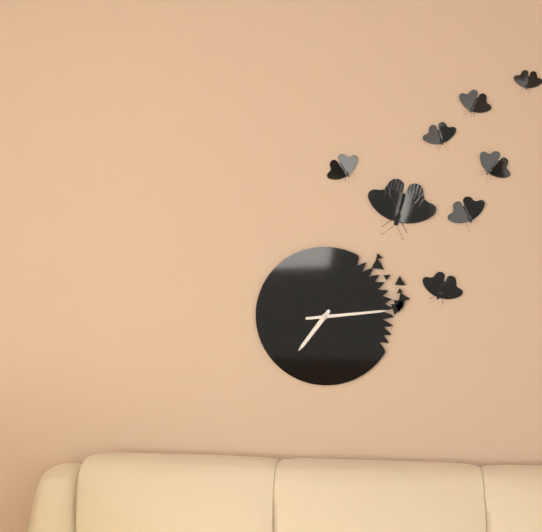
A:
h=7 m=14
